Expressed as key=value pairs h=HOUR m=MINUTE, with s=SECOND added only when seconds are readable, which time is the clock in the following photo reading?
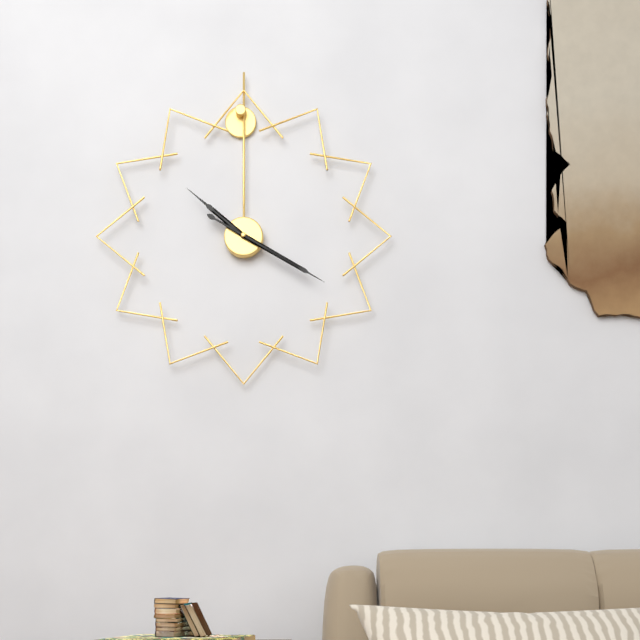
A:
h=10 m=20
